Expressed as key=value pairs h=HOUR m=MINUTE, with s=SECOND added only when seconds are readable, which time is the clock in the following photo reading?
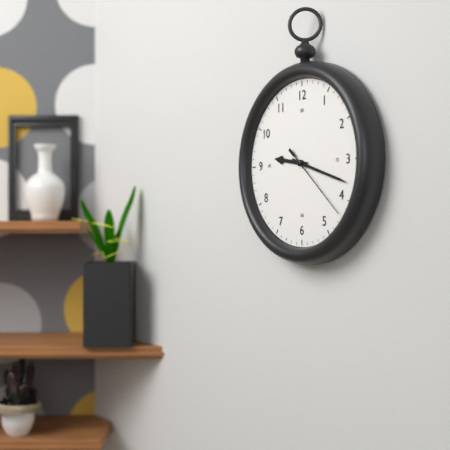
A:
h=9 m=18 s=22
